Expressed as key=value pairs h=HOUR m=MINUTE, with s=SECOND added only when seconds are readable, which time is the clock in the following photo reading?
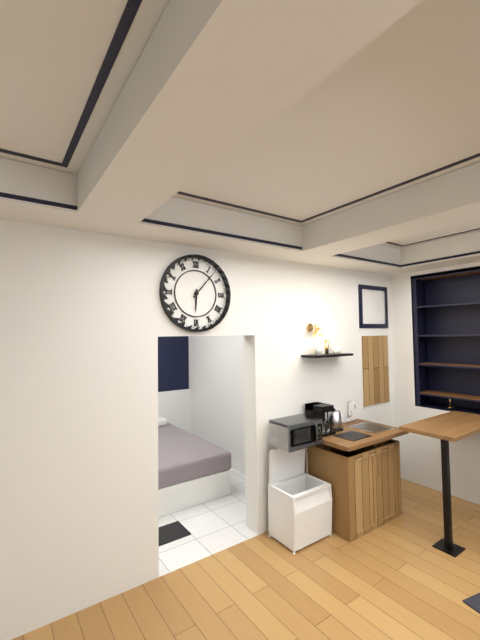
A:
h=6 m=7
